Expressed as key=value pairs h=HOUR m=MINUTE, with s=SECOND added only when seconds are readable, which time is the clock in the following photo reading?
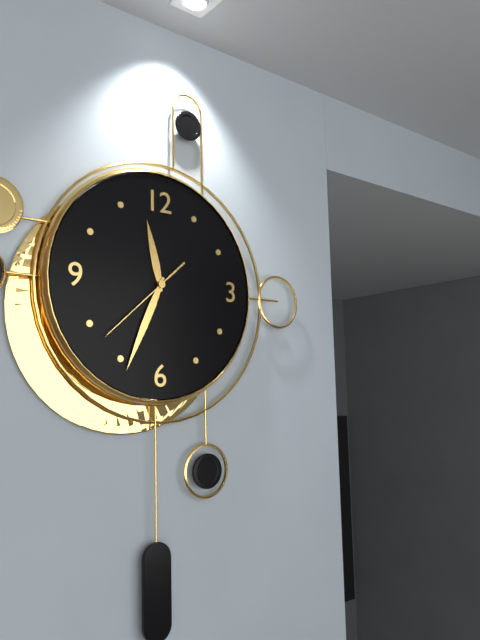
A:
h=11 m=34 s=38
